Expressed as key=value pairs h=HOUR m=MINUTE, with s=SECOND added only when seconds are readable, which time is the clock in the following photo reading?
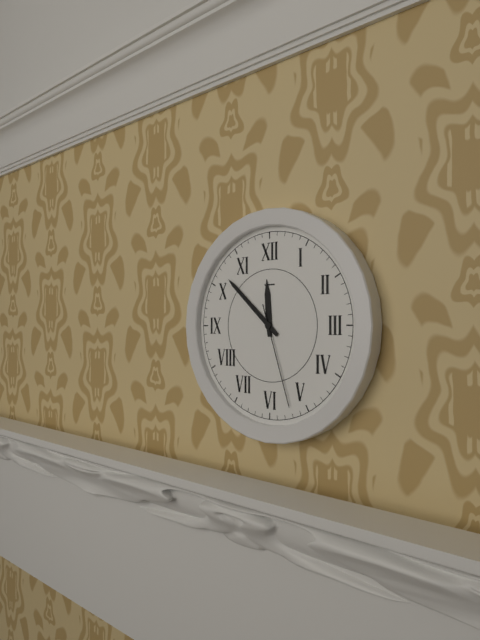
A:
h=11 m=52 s=27
